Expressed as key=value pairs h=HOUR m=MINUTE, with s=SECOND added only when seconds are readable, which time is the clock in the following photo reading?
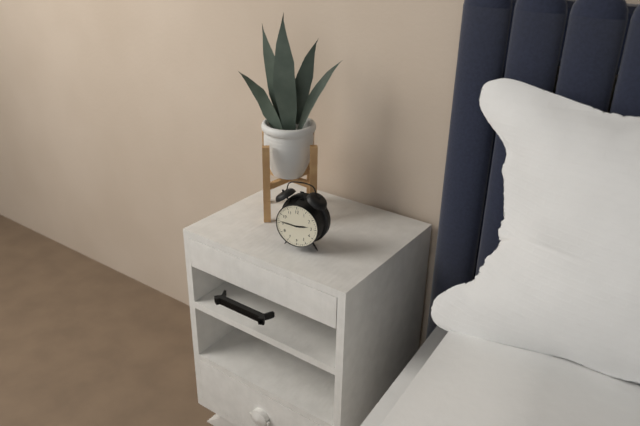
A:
h=2 m=46
